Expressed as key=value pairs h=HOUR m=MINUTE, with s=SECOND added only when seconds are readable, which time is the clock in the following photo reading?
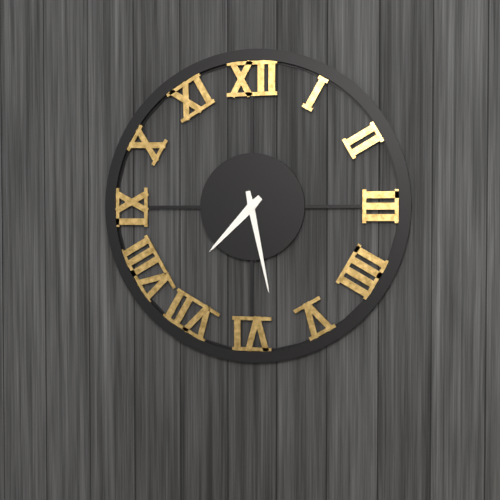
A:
h=7 m=28
